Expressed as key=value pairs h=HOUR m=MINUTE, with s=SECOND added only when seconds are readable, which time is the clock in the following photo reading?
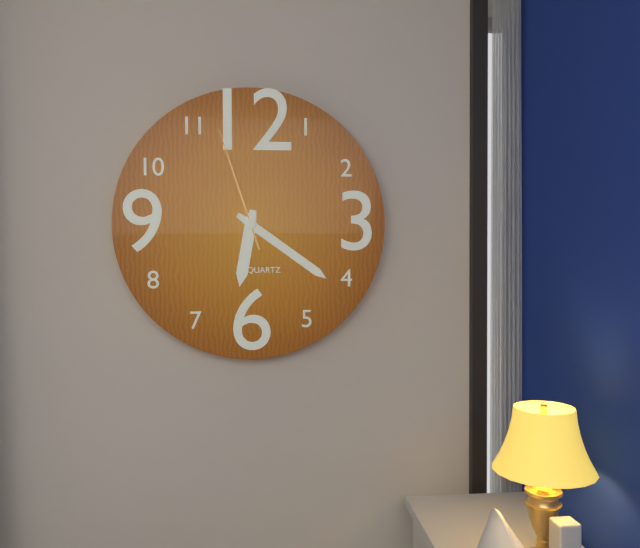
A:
h=6 m=21 s=57
